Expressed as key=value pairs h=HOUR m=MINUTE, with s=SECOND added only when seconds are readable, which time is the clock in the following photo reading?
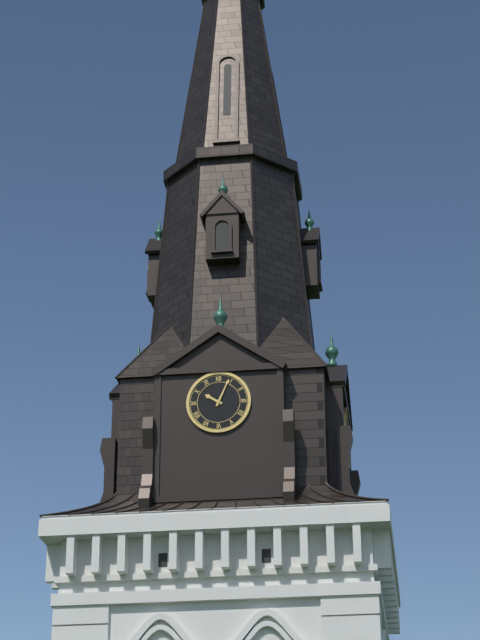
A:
h=10 m=4
